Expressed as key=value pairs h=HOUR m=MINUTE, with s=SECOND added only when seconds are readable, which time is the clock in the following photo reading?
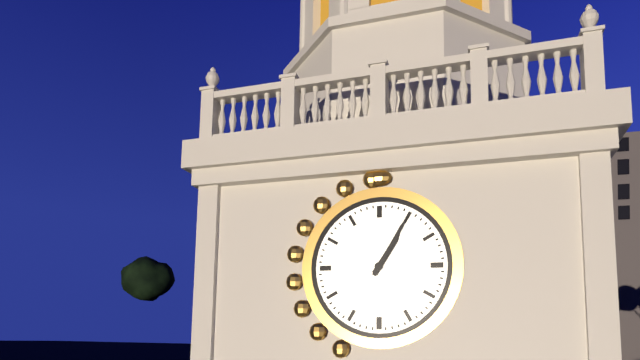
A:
h=1 m=5
